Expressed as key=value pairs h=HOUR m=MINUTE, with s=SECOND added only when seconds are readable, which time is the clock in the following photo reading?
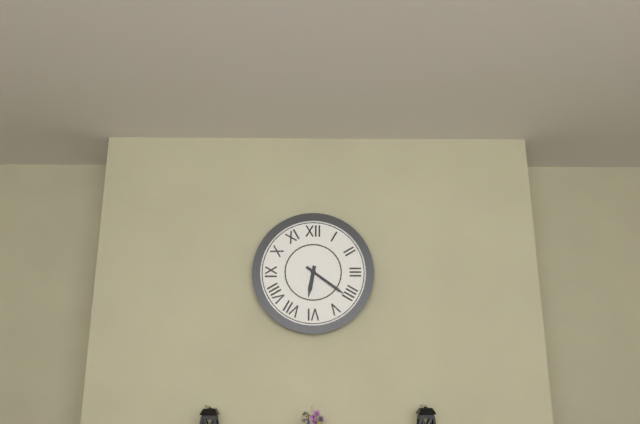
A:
h=6 m=21
